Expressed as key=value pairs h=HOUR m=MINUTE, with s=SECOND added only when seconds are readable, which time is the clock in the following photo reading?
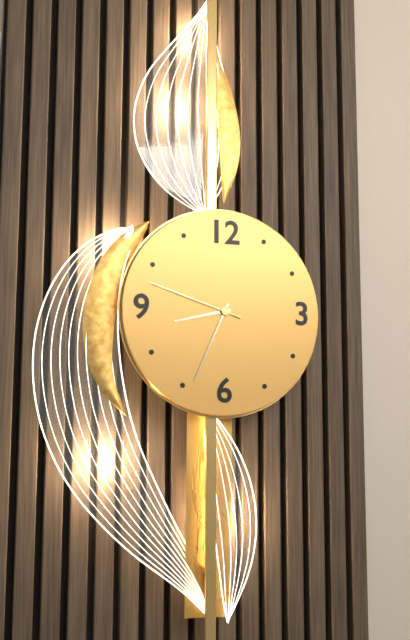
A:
h=8 m=34 s=48
